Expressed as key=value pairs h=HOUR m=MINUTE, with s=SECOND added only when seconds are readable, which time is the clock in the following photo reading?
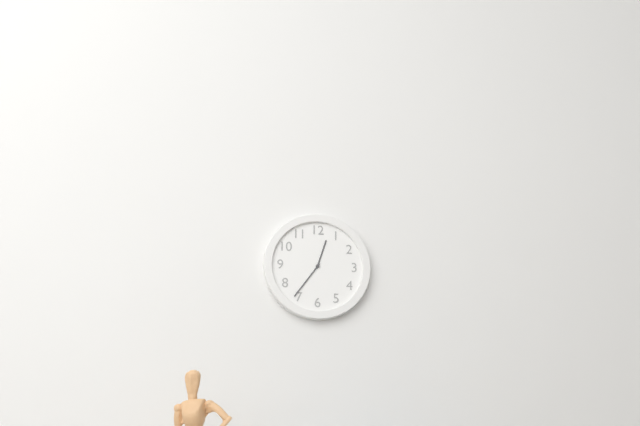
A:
h=12 m=36
